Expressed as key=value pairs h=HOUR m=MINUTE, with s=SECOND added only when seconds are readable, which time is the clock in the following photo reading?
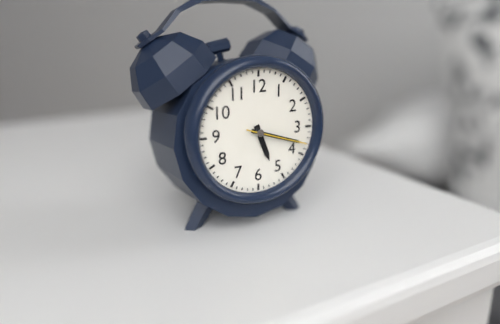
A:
h=5 m=18 s=18
